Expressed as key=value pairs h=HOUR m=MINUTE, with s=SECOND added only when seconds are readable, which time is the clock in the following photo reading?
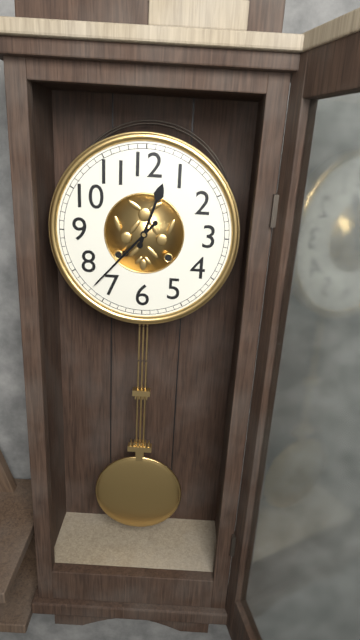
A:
h=12 m=37
